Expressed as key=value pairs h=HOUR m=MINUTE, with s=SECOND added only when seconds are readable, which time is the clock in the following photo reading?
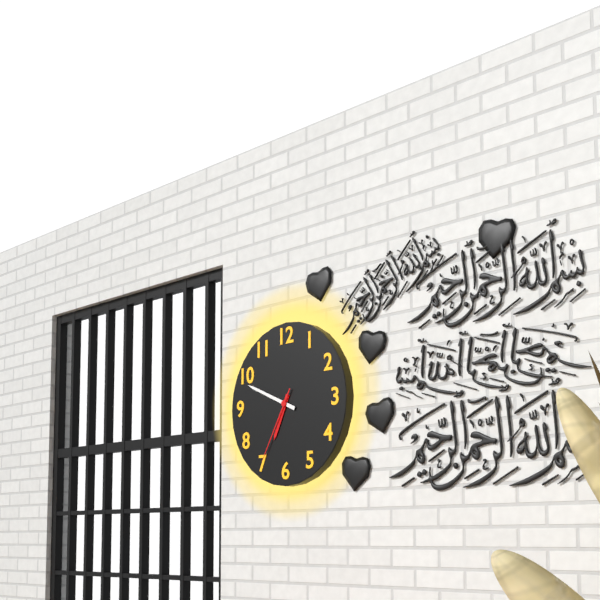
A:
h=6 m=49 s=35
